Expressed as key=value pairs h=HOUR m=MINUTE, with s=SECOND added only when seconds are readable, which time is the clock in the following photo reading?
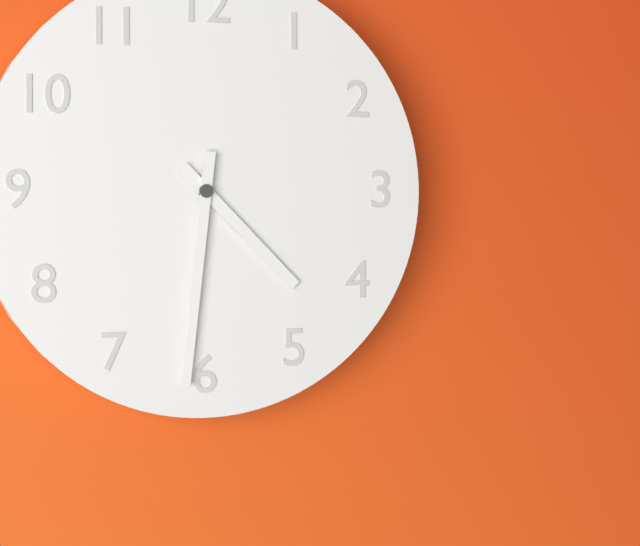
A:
h=4 m=31
